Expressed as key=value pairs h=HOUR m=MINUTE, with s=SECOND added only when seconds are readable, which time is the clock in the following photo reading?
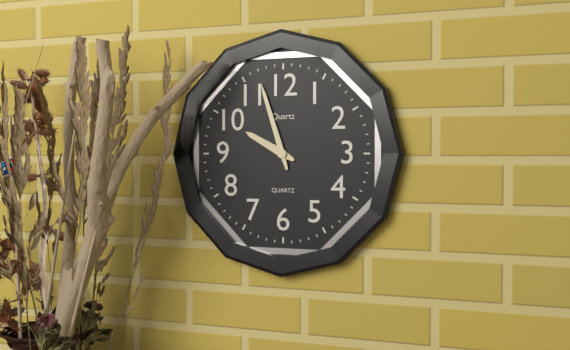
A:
h=9 m=57
